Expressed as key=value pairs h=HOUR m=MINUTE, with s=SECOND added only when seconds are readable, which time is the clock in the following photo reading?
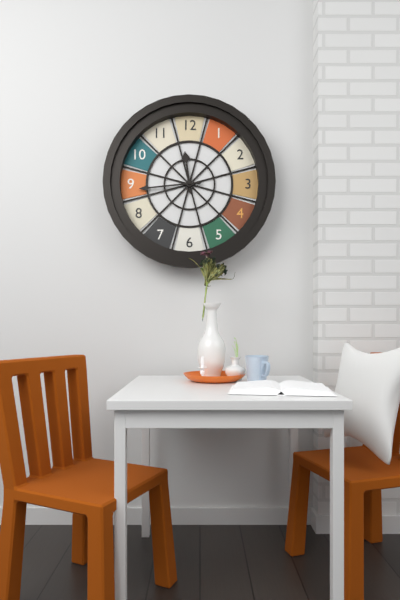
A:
h=11 m=44
